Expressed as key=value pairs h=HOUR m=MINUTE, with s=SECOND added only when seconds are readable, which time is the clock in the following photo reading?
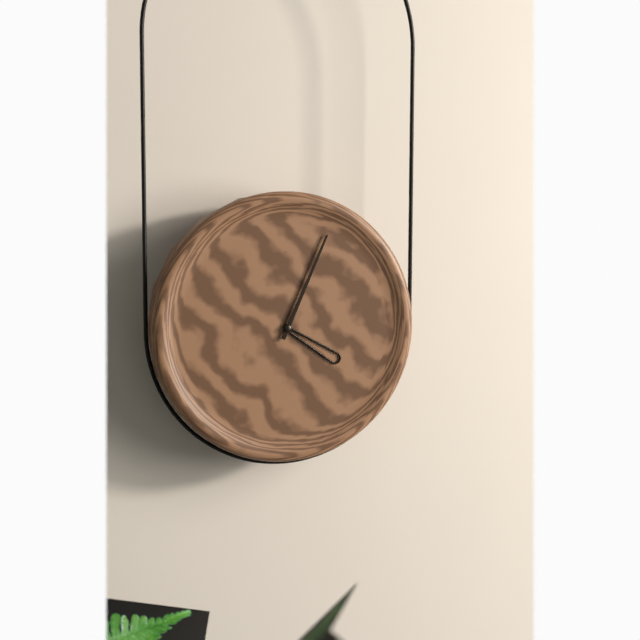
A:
h=4 m=4
